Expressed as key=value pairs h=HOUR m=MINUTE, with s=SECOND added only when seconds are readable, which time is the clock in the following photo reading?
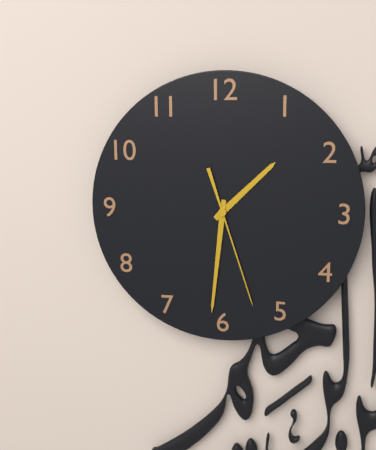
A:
h=1 m=31 s=27
